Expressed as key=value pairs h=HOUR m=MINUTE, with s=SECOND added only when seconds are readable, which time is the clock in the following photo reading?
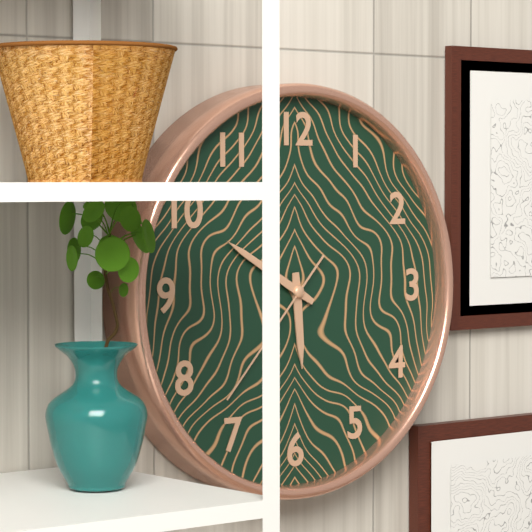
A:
h=5 m=50 s=37
